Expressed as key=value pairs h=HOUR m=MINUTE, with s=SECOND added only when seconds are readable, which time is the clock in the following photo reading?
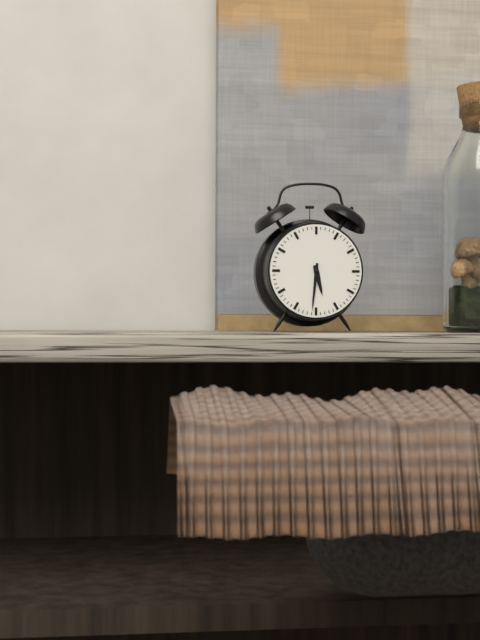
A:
h=5 m=31
